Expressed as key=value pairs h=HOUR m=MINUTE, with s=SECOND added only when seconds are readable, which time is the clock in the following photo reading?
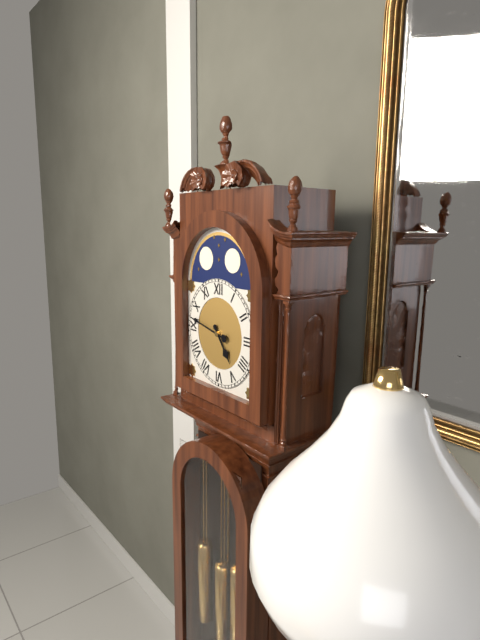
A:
h=4 m=47
